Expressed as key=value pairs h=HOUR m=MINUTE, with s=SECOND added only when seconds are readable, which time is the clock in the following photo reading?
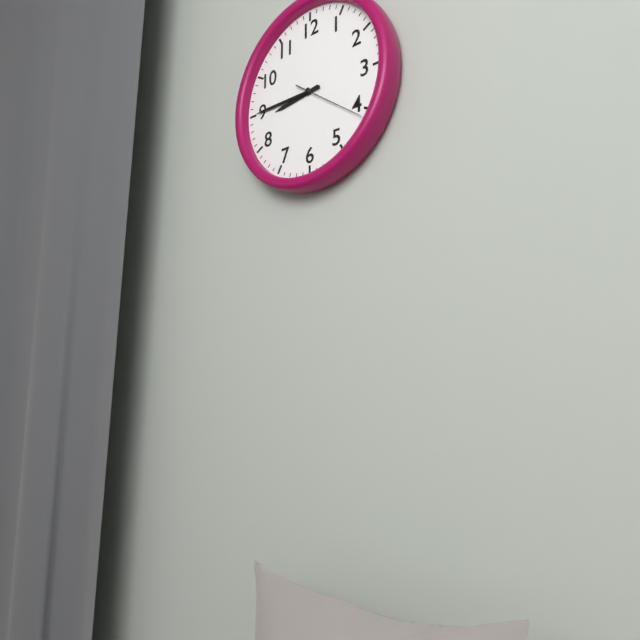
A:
h=8 m=45 s=21
